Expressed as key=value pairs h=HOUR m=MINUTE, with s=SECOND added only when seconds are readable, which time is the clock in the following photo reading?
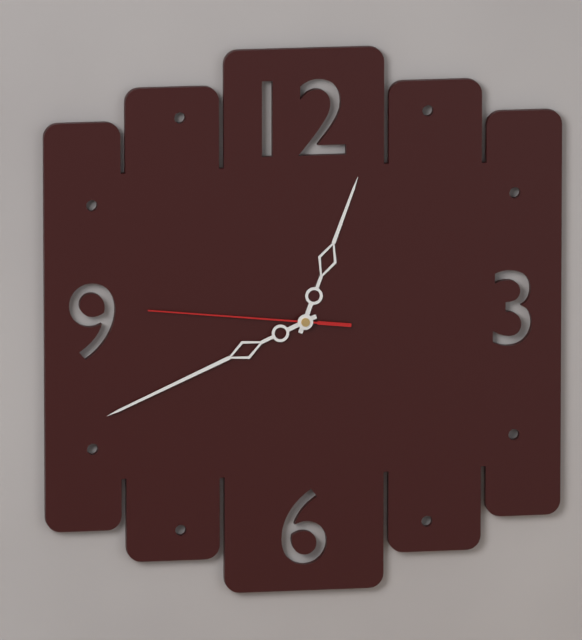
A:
h=12 m=41 s=46
